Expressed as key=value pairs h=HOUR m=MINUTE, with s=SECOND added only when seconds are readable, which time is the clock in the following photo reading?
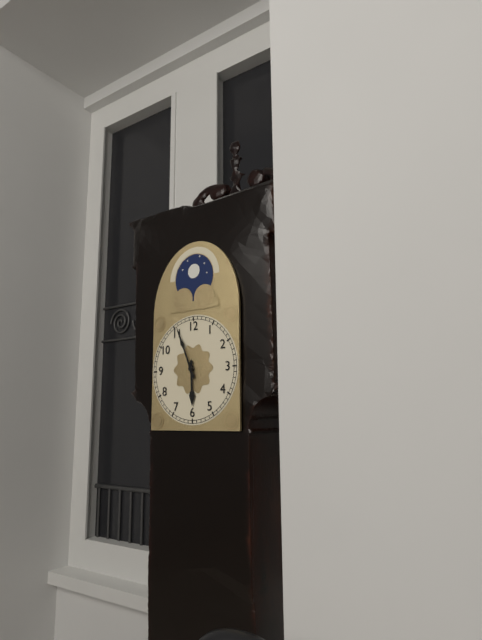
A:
h=5 m=56
